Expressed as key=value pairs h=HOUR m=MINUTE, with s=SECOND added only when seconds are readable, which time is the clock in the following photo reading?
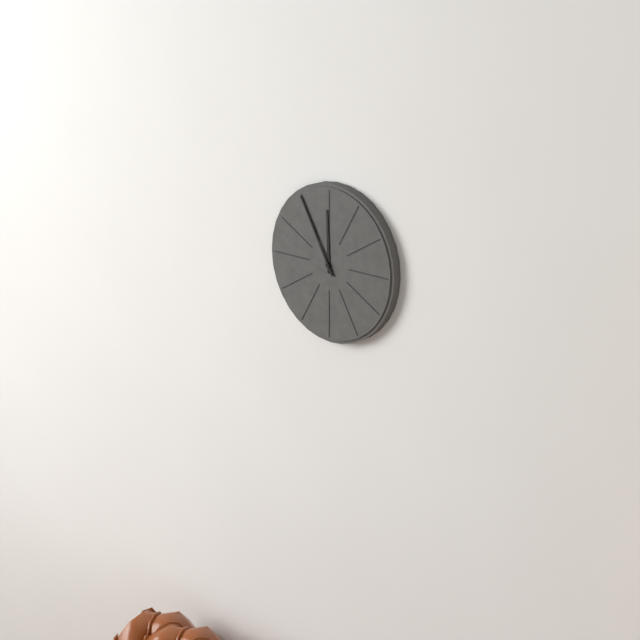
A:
h=11 m=55
